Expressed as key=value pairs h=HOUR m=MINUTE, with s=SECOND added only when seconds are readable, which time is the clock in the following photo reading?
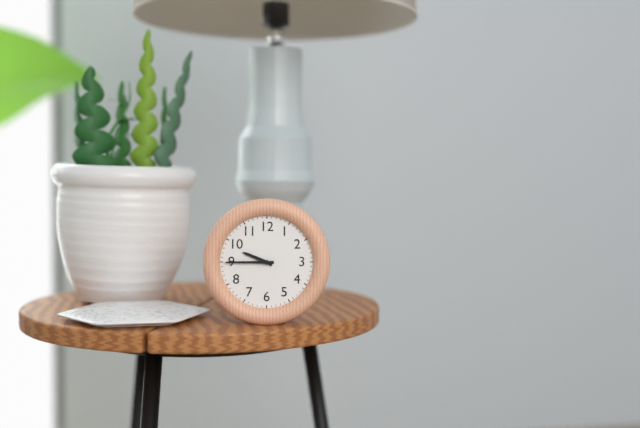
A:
h=9 m=45
